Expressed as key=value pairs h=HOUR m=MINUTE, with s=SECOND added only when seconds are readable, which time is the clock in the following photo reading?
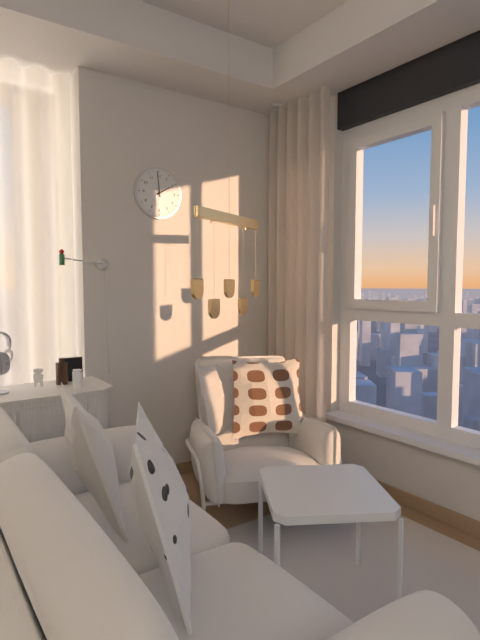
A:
h=1 m=59
